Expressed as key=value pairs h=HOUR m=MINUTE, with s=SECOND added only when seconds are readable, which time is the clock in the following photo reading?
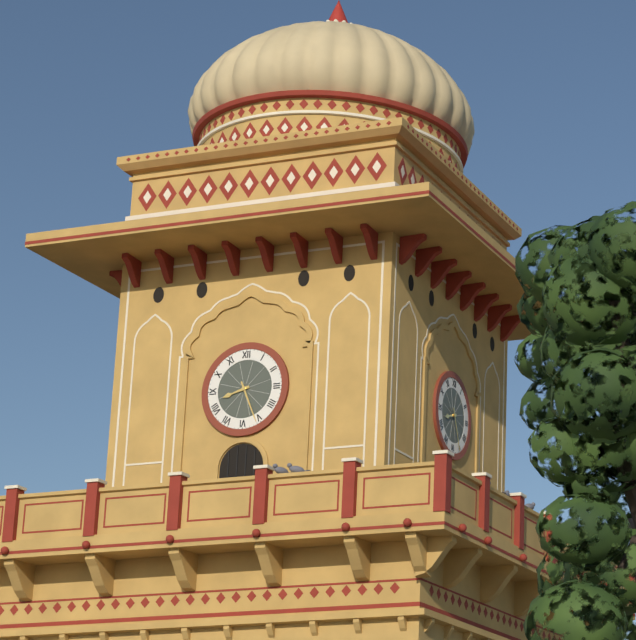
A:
h=8 m=26
